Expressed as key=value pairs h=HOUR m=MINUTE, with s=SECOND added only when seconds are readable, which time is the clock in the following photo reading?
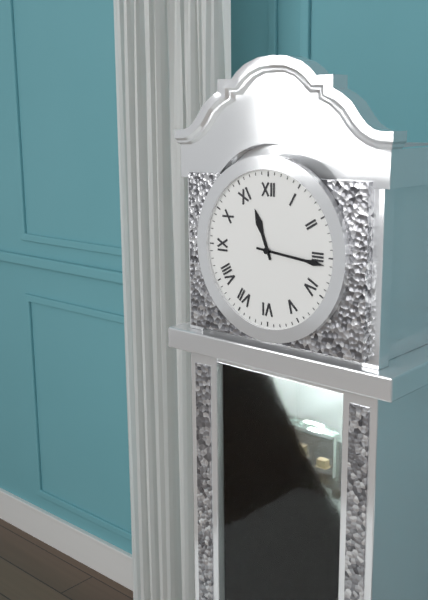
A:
h=11 m=16
